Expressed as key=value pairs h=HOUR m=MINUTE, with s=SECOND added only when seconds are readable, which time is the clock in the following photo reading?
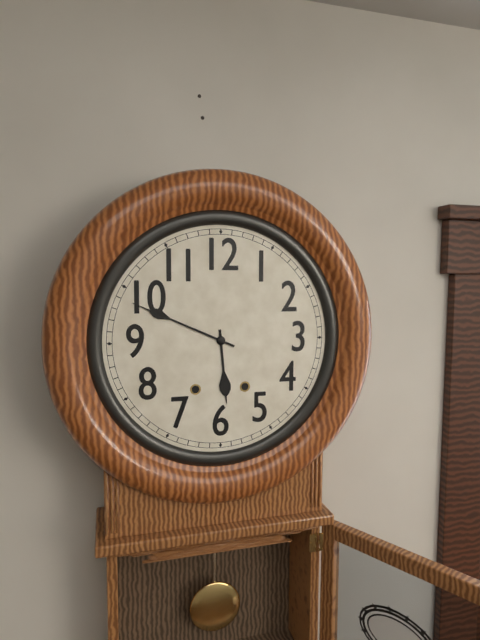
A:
h=5 m=49
